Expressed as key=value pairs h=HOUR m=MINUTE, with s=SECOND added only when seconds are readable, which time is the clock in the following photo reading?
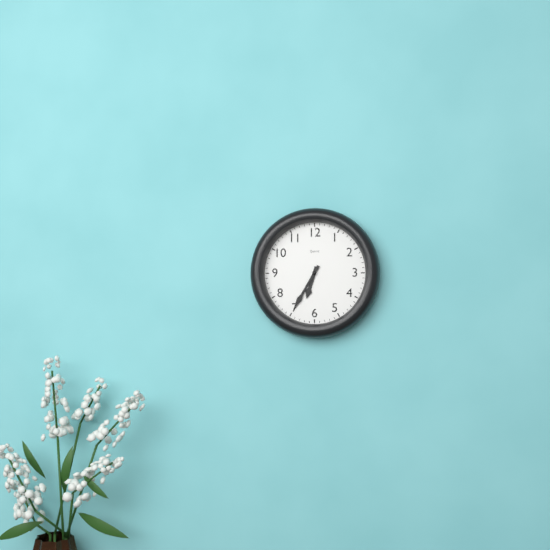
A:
h=6 m=35
